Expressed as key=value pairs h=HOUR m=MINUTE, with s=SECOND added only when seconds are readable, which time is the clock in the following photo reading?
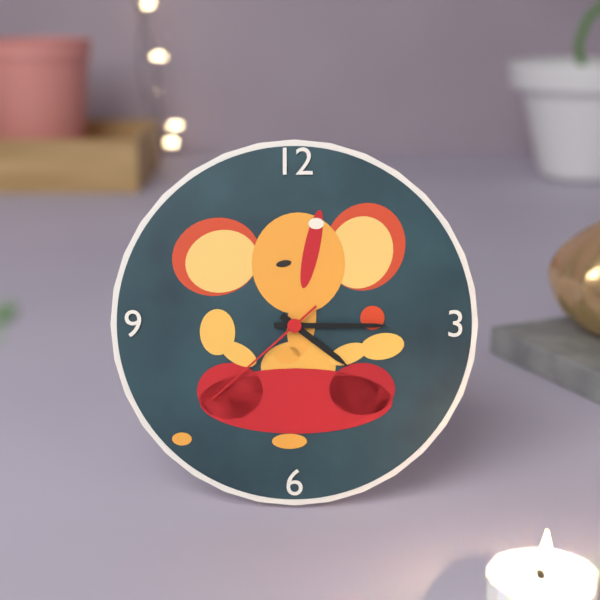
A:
h=4 m=15 s=38
